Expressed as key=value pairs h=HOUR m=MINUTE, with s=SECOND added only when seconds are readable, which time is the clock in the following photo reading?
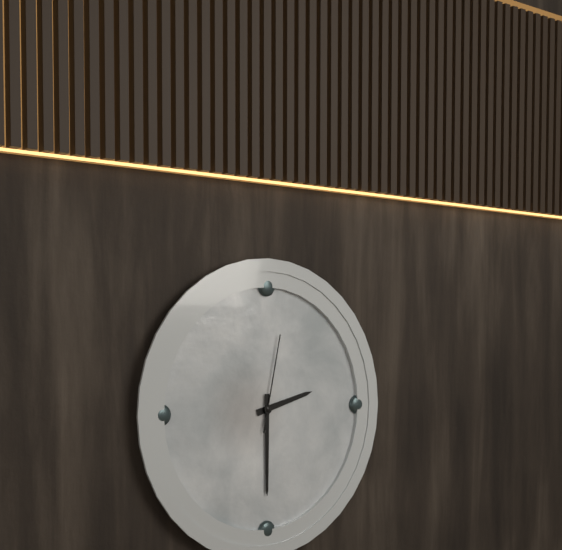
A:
h=2 m=30 s=2
